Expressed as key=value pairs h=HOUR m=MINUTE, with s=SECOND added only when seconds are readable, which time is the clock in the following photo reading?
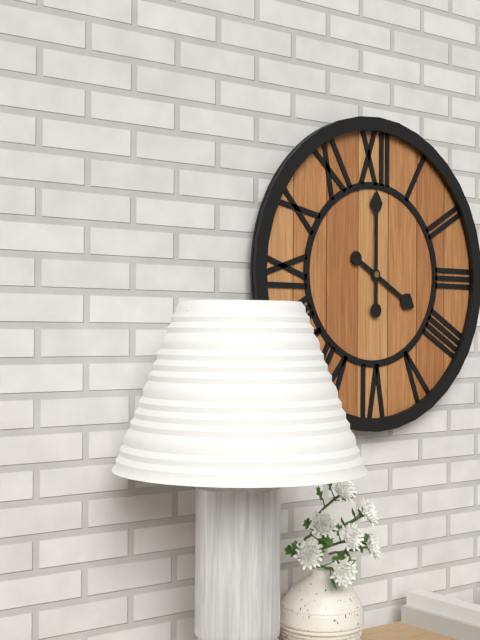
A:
h=4 m=0
